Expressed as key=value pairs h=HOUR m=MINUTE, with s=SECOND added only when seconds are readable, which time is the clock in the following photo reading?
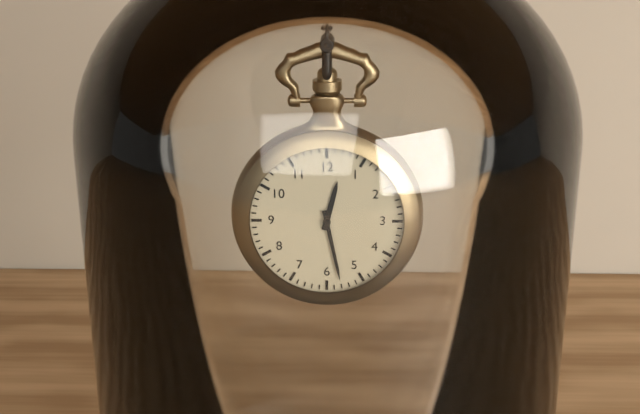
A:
h=12 m=28
